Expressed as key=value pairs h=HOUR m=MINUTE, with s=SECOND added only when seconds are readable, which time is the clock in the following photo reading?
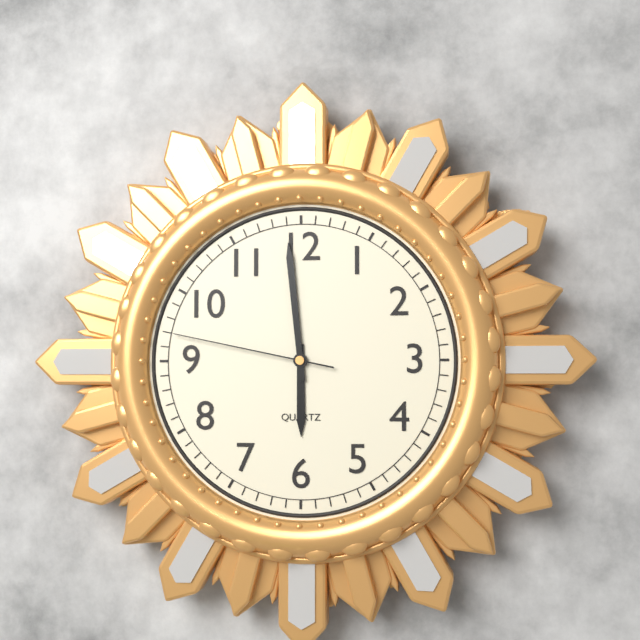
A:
h=5 m=59 s=47
